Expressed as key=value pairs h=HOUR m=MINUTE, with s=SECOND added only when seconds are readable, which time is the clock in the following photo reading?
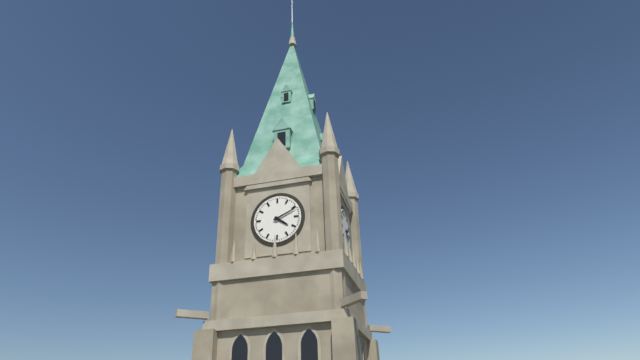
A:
h=4 m=11
